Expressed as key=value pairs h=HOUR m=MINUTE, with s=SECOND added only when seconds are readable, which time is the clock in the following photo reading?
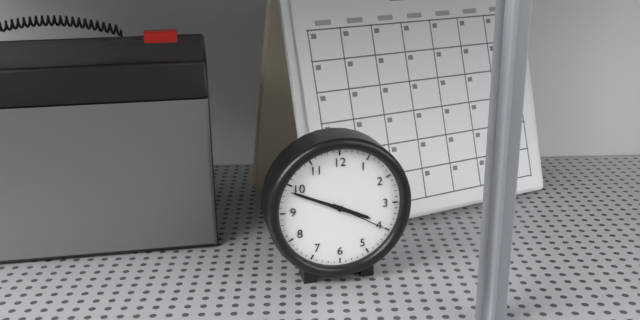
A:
h=3 m=49 s=20
